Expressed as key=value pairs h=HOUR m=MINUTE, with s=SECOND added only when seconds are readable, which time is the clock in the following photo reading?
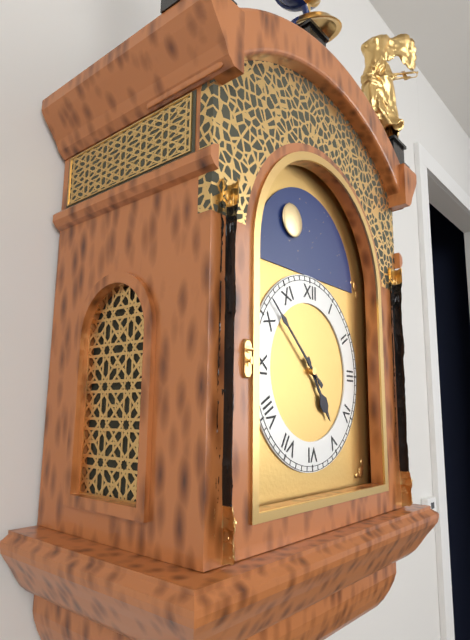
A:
h=4 m=52
